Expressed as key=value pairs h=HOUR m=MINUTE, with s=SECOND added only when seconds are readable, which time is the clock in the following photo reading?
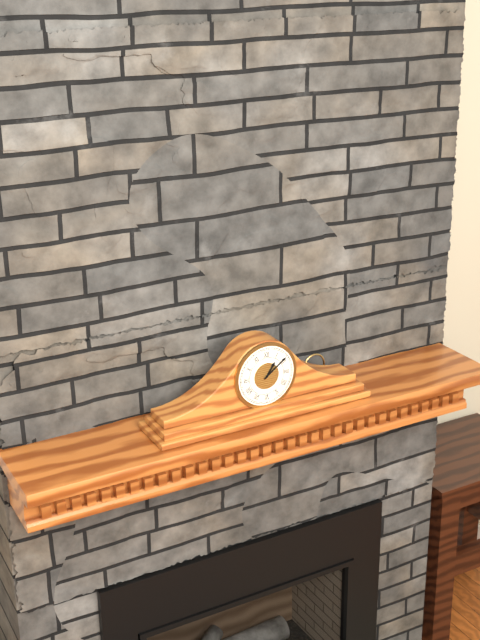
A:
h=1 m=9
